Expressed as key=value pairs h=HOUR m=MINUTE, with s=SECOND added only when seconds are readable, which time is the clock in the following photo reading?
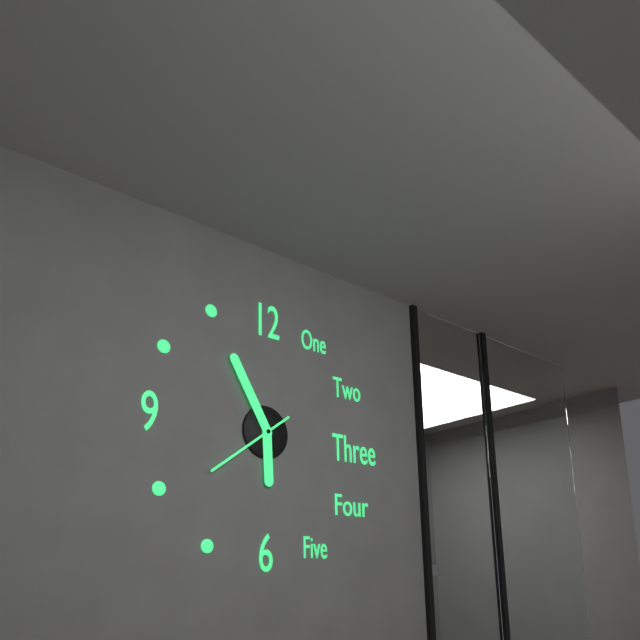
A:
h=5 m=55 s=39
